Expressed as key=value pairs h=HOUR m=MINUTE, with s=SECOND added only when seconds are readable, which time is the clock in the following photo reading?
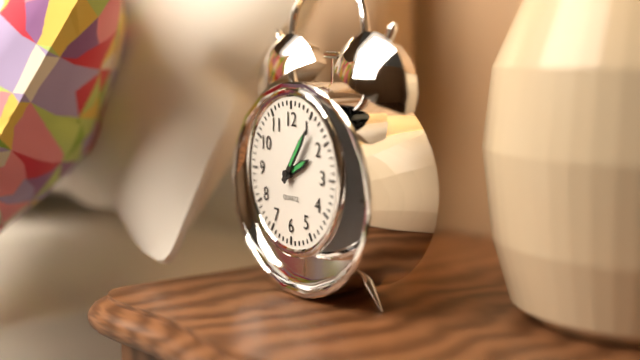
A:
h=2 m=6
